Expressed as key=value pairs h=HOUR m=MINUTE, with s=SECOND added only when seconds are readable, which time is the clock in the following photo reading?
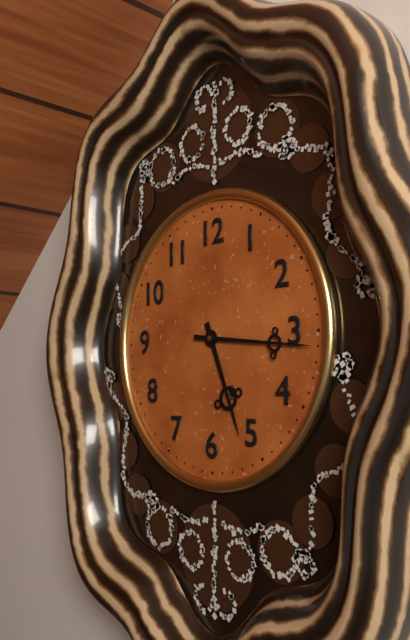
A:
h=5 m=16
